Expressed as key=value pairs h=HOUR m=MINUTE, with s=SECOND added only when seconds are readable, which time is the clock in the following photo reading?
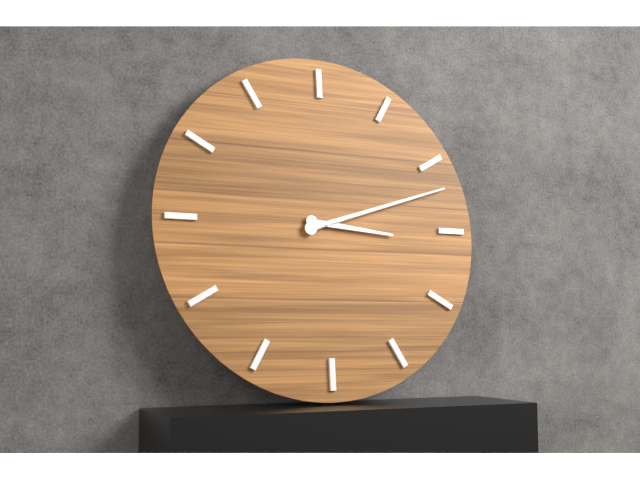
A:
h=3 m=12
